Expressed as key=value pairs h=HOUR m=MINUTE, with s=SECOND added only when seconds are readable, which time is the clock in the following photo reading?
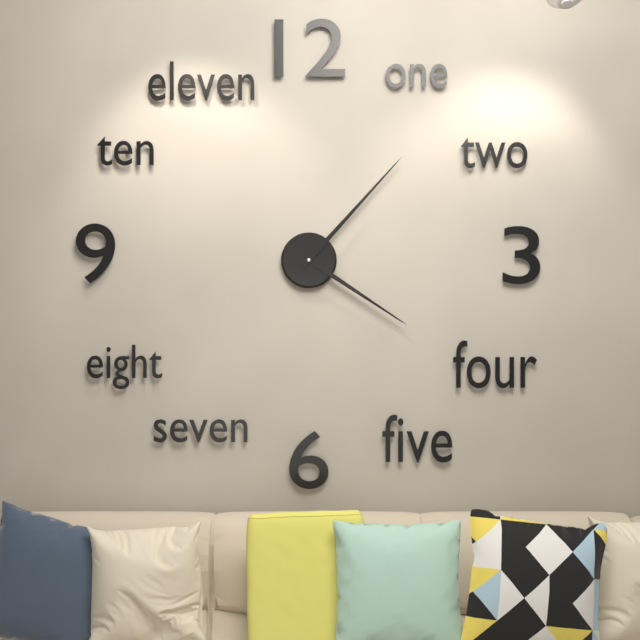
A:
h=4 m=7
